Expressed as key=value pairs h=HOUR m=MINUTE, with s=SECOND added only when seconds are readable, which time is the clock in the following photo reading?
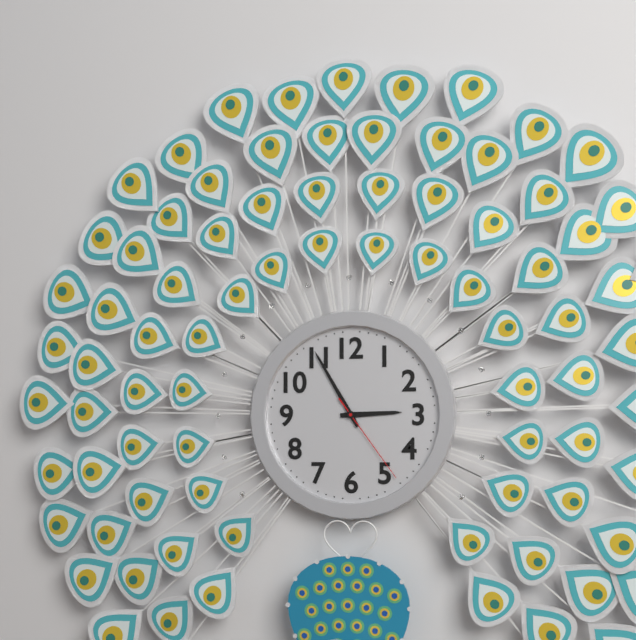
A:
h=2 m=55 s=24
